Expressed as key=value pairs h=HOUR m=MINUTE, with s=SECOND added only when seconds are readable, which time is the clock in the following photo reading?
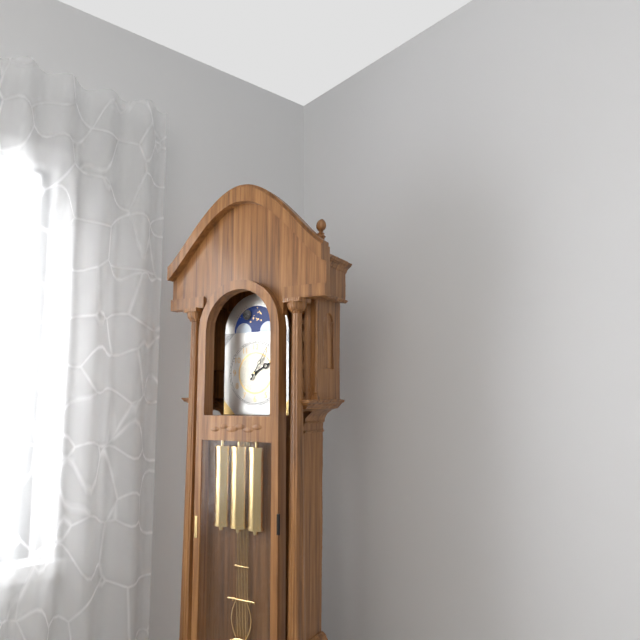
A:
h=2 m=5
